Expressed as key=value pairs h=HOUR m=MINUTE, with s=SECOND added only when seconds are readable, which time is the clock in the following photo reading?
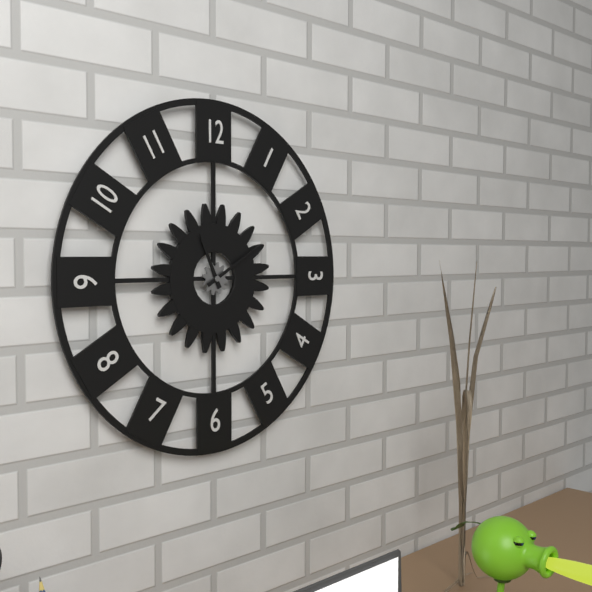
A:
h=11 m=10
